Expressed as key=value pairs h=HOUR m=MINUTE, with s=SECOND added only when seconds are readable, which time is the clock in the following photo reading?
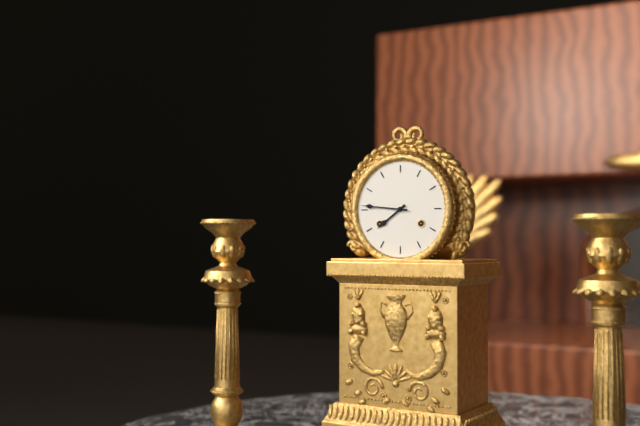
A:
h=7 m=46
